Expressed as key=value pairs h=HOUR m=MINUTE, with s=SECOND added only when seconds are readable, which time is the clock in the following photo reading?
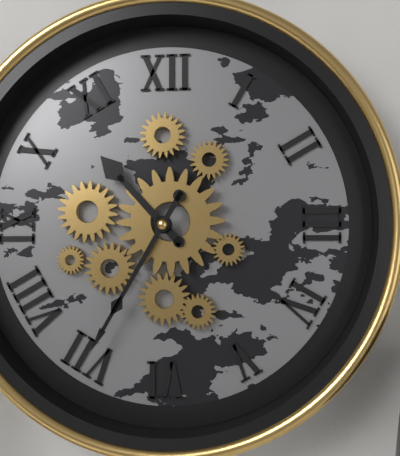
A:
h=10 m=35
